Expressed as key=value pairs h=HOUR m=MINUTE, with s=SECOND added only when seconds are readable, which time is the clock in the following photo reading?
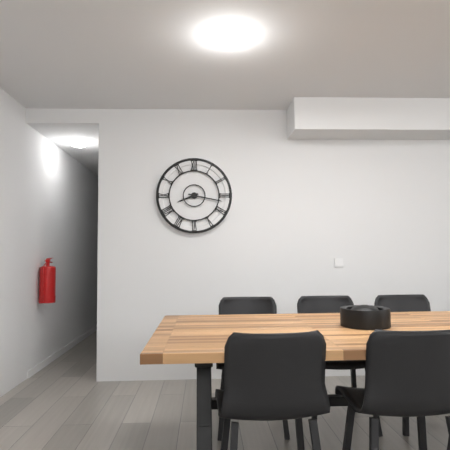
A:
h=8 m=17
